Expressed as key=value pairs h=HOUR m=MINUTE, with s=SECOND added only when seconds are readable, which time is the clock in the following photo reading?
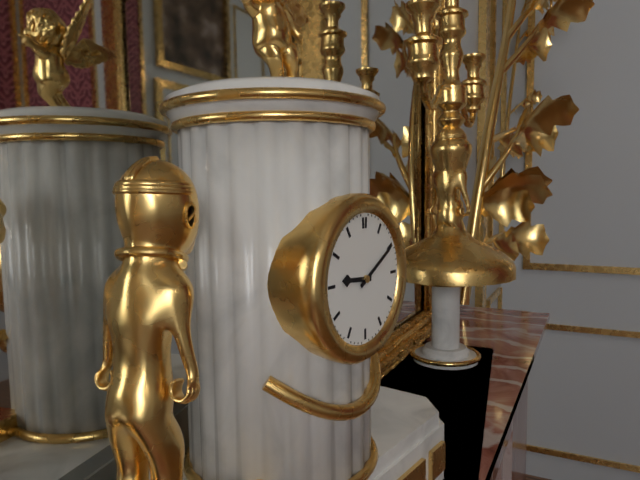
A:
h=9 m=10
